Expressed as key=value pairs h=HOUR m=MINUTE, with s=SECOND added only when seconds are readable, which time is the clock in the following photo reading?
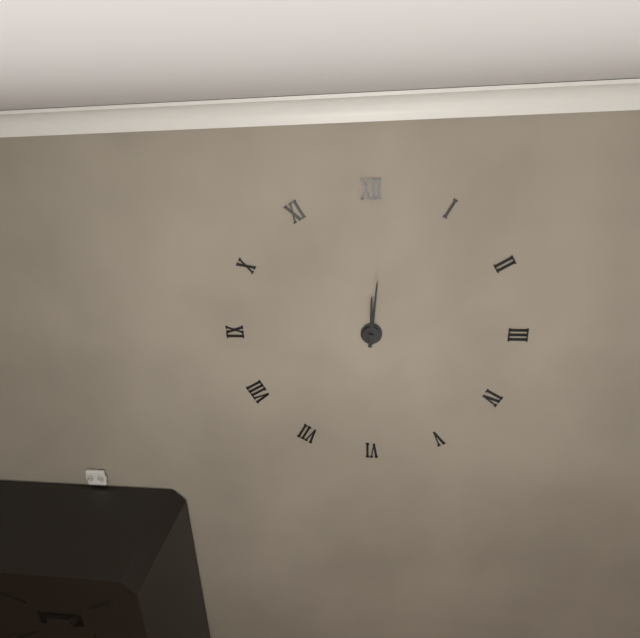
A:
h=12 m=1
